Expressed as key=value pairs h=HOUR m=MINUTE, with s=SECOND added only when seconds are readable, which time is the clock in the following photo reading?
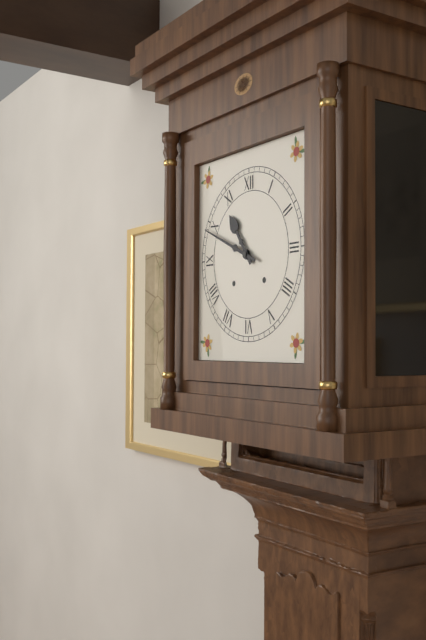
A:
h=10 m=49
